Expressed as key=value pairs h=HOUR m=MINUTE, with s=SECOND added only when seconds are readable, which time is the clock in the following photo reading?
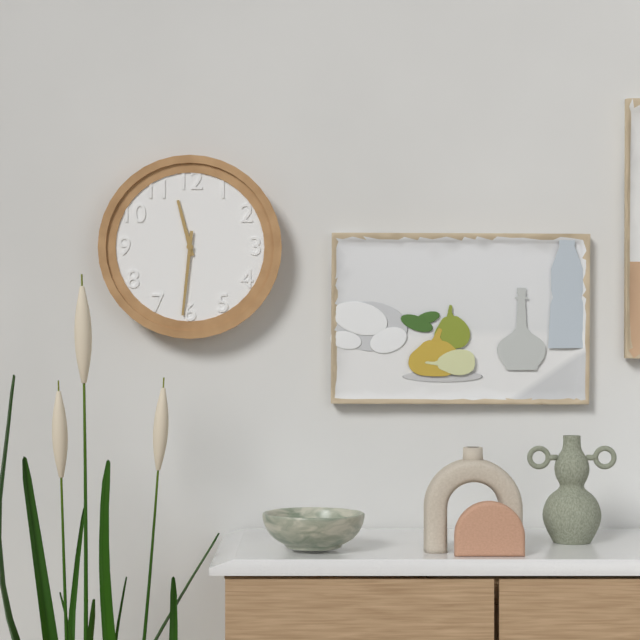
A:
h=11 m=31
